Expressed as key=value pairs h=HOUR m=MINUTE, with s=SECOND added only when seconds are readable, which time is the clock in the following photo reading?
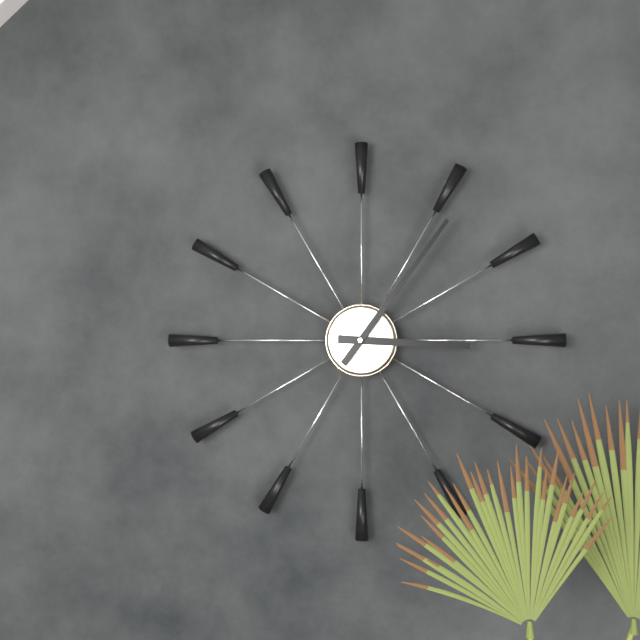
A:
h=3 m=6
